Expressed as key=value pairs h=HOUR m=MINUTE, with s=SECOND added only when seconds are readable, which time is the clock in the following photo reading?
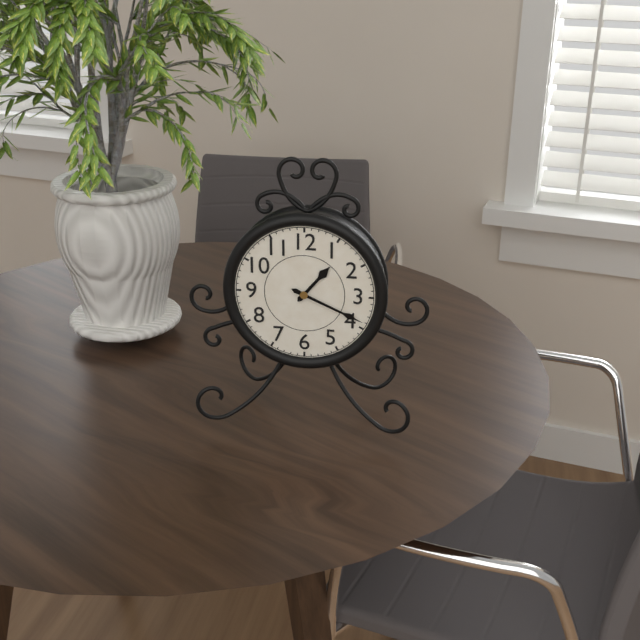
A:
h=1 m=19
